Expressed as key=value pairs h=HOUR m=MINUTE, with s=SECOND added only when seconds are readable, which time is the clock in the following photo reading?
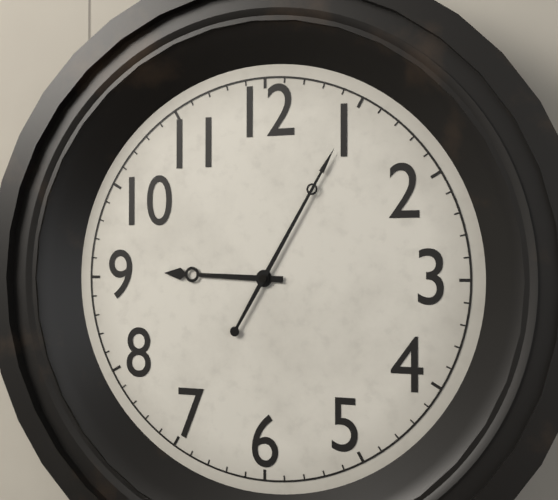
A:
h=9 m=5
